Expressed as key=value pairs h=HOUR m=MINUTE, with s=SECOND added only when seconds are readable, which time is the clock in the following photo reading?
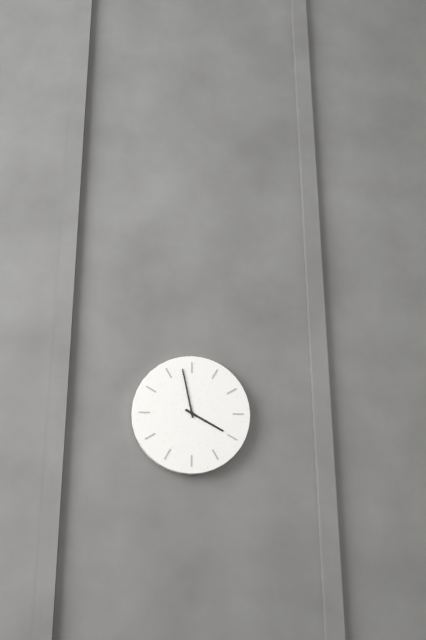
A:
h=3 m=58
